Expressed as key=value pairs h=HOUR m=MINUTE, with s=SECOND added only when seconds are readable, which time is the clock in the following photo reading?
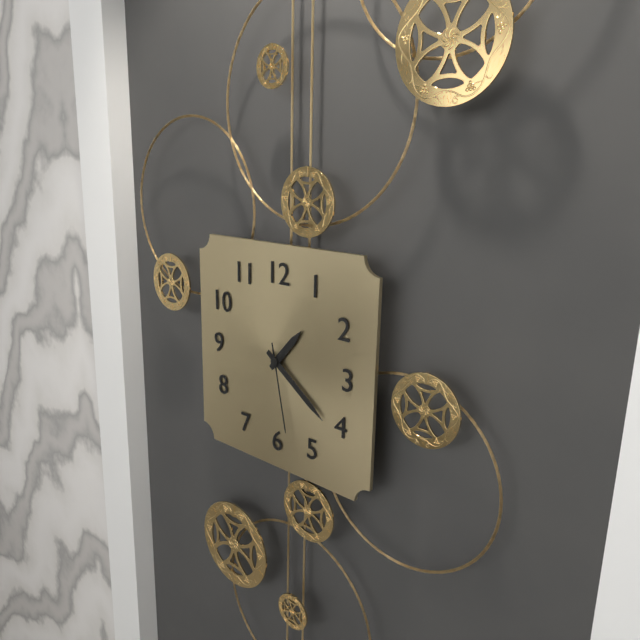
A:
h=1 m=21 s=28
